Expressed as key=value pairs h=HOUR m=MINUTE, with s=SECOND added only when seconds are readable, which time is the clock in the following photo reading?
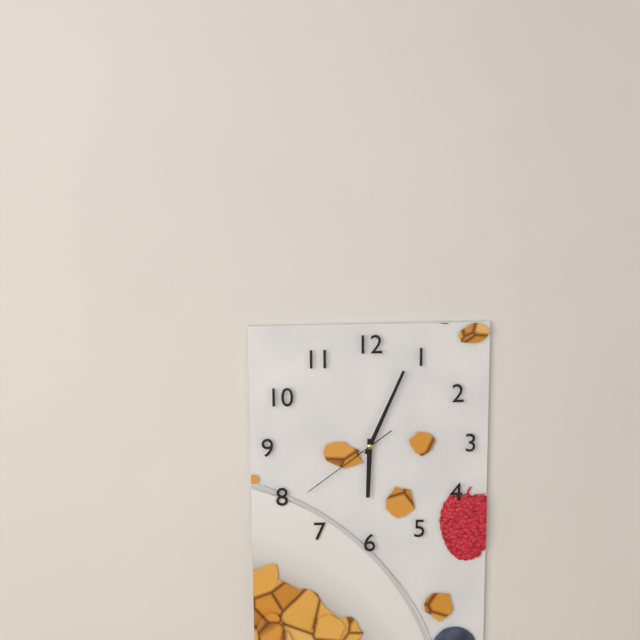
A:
h=6 m=4 s=39
